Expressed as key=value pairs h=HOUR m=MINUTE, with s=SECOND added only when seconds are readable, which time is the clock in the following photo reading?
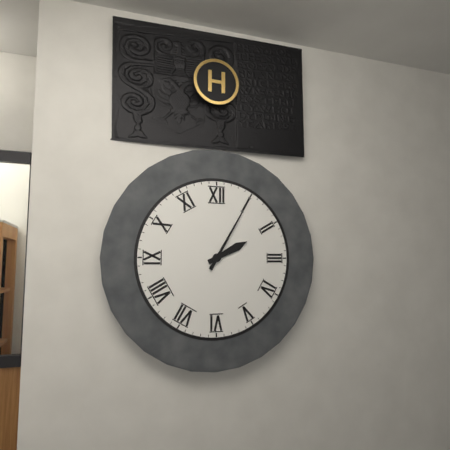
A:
h=2 m=5
